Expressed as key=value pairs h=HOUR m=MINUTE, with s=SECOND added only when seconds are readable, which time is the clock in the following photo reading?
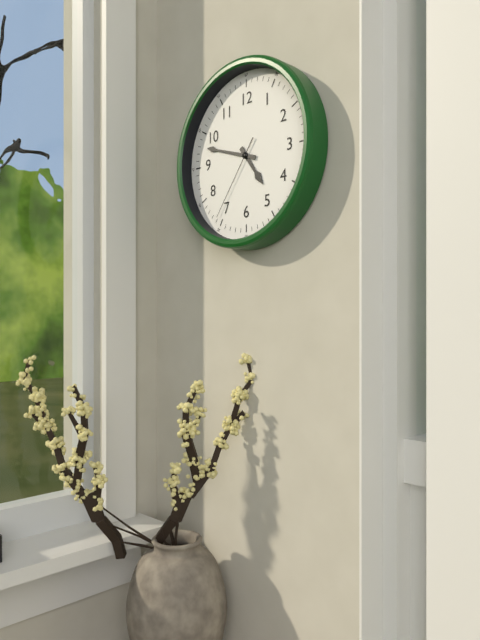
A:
h=4 m=48 s=36
